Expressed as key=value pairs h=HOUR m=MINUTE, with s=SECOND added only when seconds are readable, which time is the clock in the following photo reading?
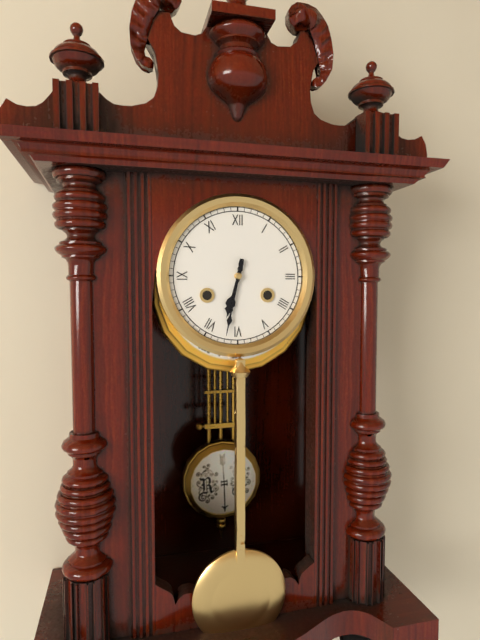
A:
h=6 m=32
